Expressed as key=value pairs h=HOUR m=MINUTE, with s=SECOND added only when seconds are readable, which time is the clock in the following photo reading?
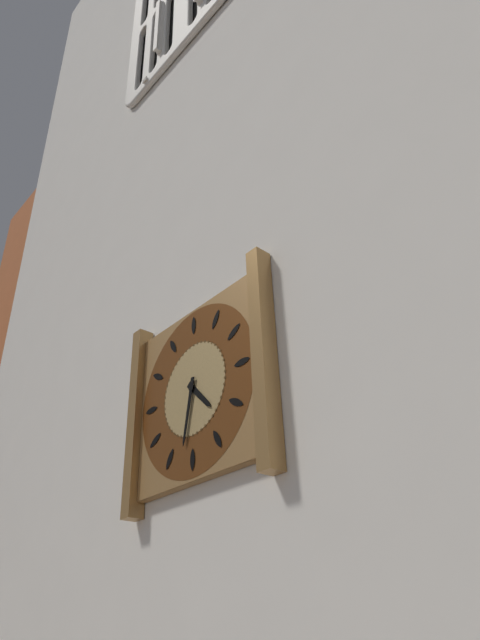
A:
h=4 m=32
